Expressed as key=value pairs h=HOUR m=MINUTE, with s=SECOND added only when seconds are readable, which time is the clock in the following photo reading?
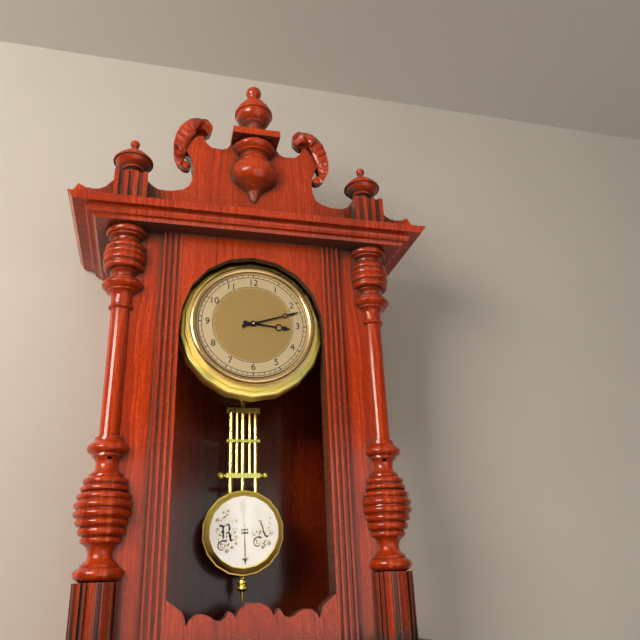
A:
h=3 m=12
